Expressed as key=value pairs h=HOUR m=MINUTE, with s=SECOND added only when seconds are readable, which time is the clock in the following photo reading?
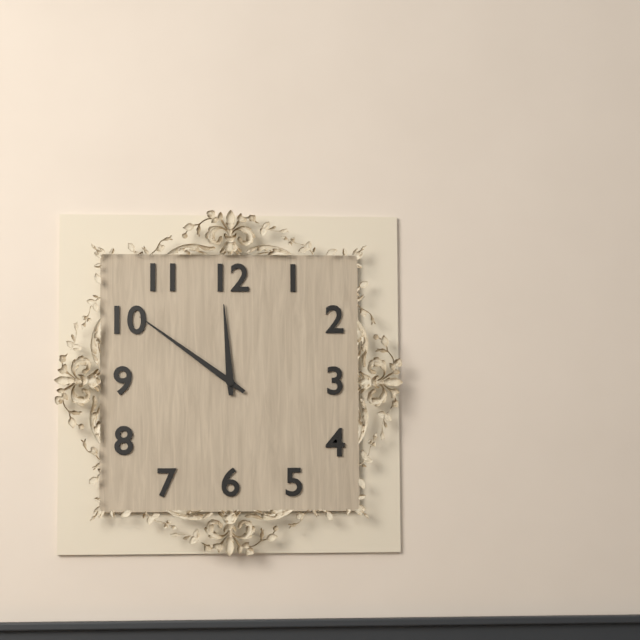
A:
h=11 m=51
